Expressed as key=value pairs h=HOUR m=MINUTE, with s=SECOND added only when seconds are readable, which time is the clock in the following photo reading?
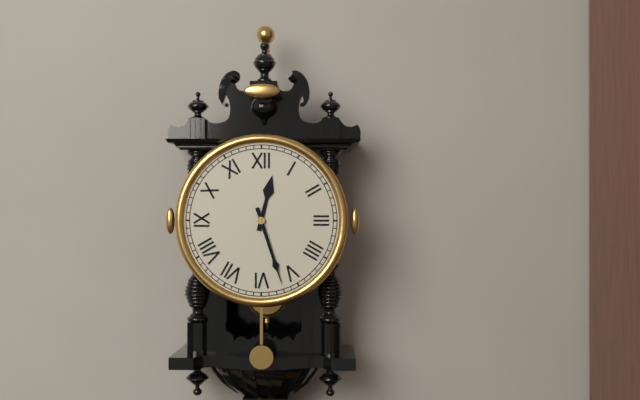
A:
h=12 m=27
